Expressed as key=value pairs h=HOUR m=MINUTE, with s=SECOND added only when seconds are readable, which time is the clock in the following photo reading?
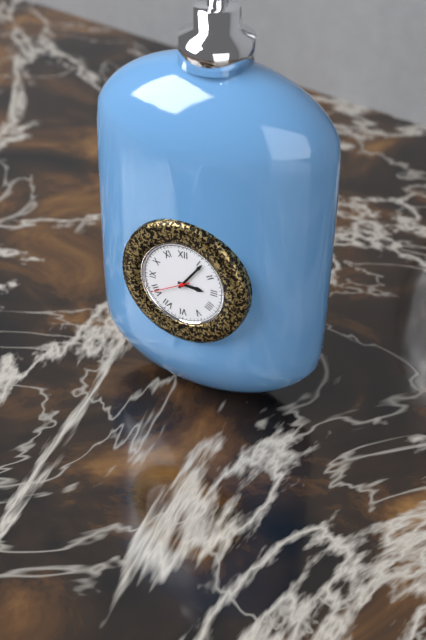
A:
h=3 m=6
